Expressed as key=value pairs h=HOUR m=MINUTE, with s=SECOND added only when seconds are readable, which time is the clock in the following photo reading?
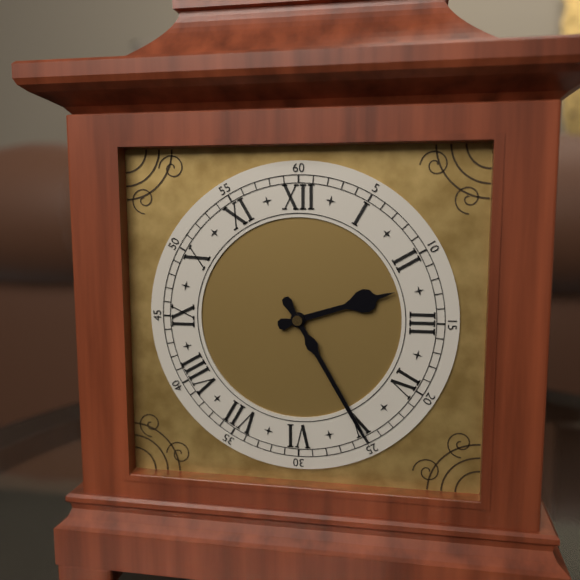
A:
h=2 m=25
